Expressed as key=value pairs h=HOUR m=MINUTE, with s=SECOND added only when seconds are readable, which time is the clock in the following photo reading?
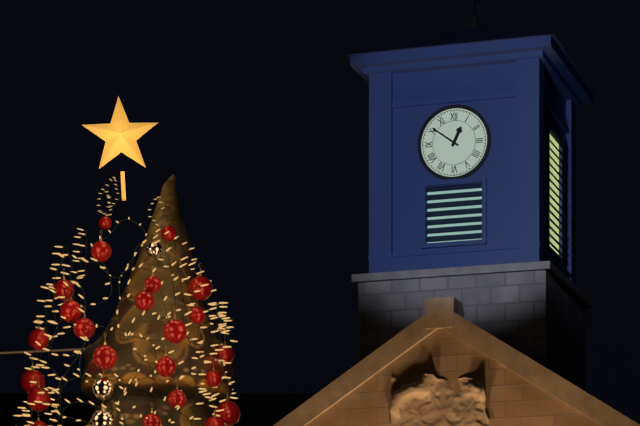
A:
h=12 m=51
